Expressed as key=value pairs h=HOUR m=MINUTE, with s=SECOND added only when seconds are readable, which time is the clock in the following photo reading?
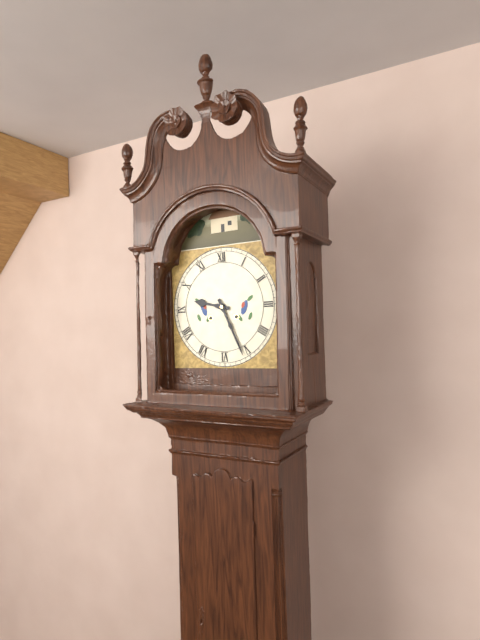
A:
h=9 m=26
